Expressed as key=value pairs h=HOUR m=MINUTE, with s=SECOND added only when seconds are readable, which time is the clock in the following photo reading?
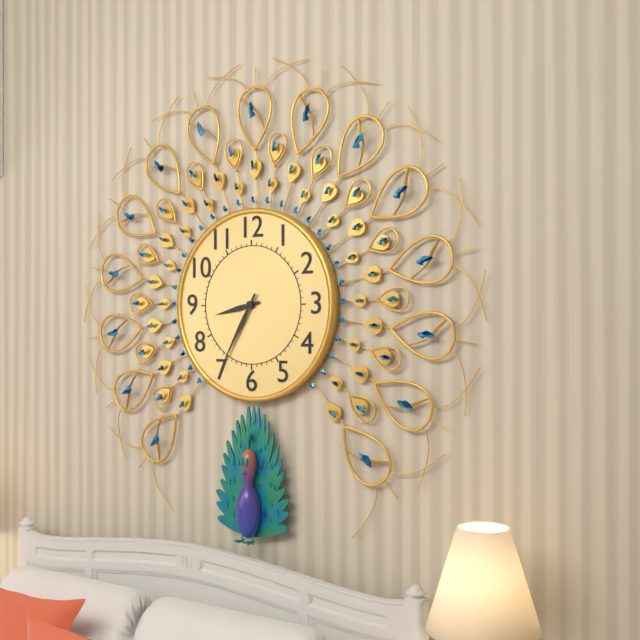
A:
h=8 m=35
